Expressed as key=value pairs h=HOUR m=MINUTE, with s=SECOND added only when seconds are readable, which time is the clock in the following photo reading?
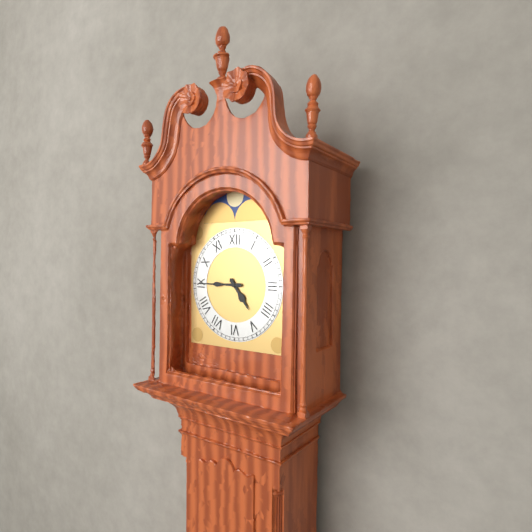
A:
h=4 m=45
